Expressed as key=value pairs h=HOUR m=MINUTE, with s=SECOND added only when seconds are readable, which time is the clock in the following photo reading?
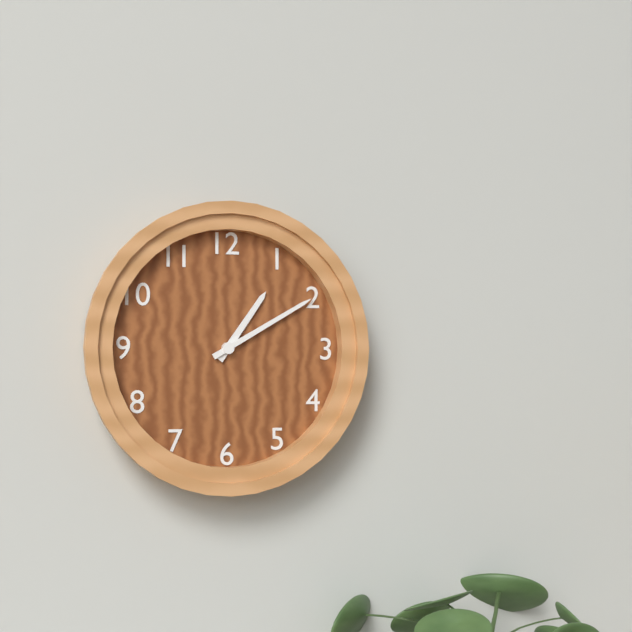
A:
h=1 m=10
